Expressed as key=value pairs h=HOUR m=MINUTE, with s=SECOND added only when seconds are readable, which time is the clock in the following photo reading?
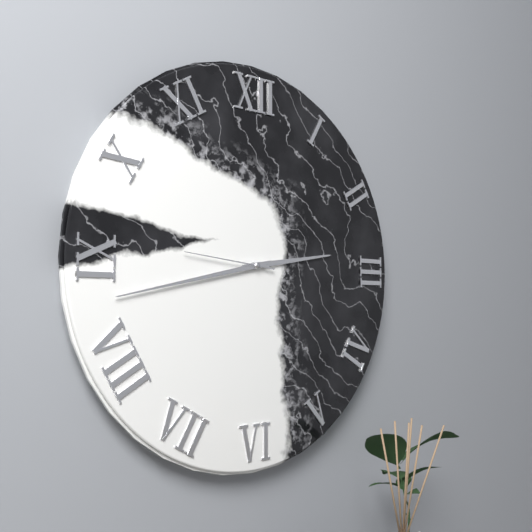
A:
h=2 m=43 s=46
